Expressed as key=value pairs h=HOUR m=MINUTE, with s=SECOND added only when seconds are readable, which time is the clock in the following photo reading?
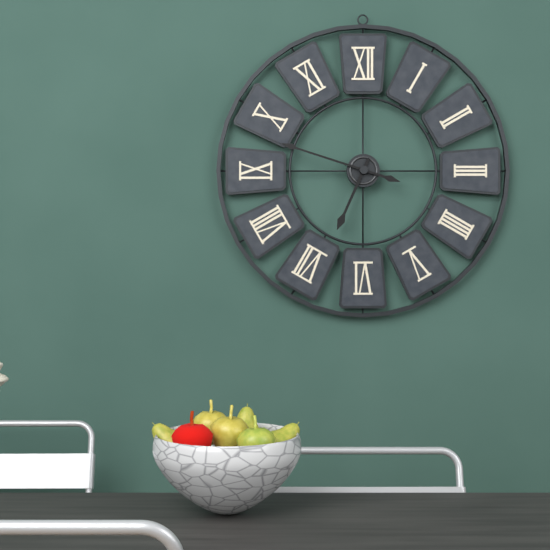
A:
h=6 m=48
